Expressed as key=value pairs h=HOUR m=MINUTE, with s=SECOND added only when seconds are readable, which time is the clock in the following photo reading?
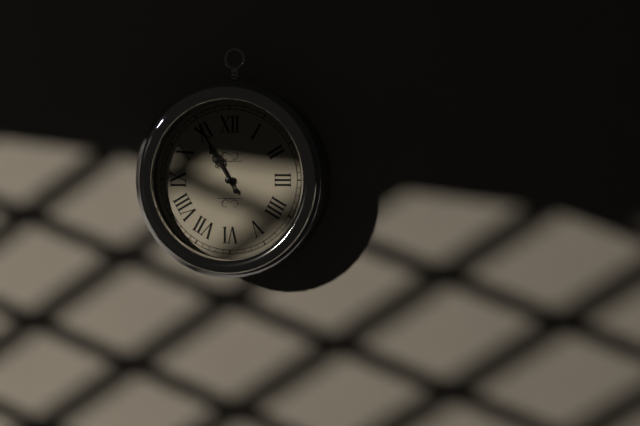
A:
h=10 m=55
